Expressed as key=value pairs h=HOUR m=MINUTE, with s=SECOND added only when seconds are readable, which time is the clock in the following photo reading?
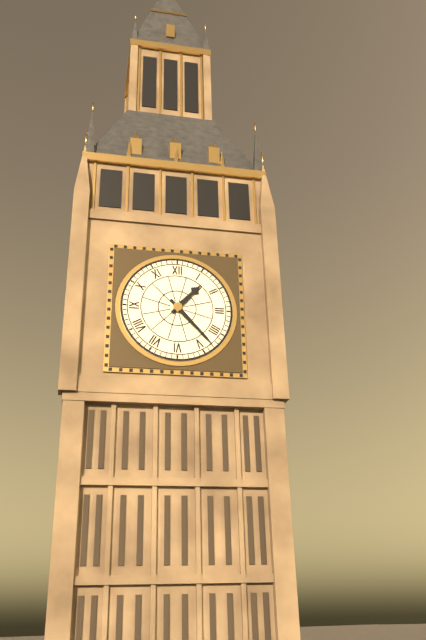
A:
h=1 m=23
